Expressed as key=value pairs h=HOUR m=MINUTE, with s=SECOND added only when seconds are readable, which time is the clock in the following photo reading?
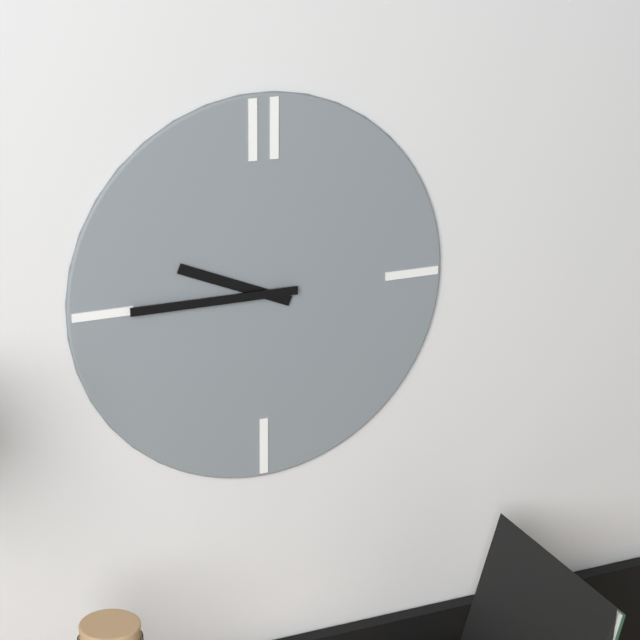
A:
h=9 m=45
